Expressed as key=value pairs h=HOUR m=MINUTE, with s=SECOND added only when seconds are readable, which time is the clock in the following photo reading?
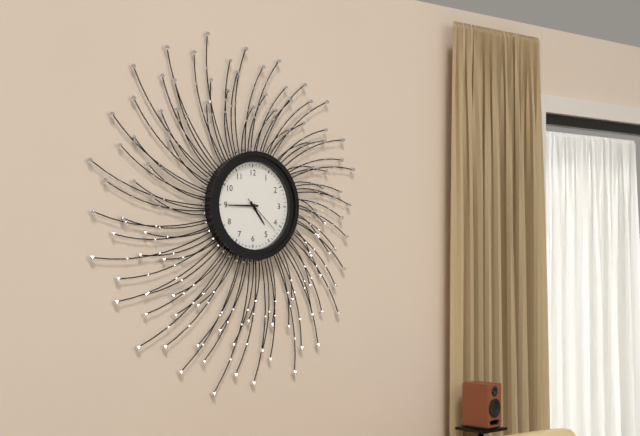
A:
h=4 m=45
